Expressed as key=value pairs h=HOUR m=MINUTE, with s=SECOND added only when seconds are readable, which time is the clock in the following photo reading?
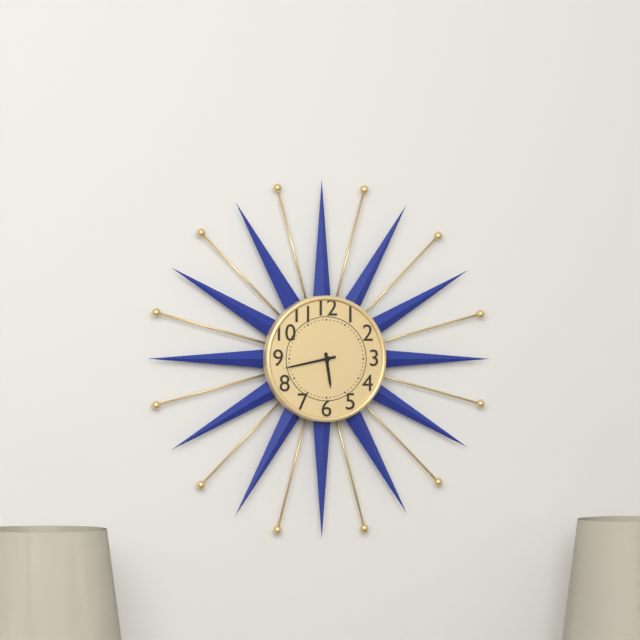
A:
h=5 m=43
